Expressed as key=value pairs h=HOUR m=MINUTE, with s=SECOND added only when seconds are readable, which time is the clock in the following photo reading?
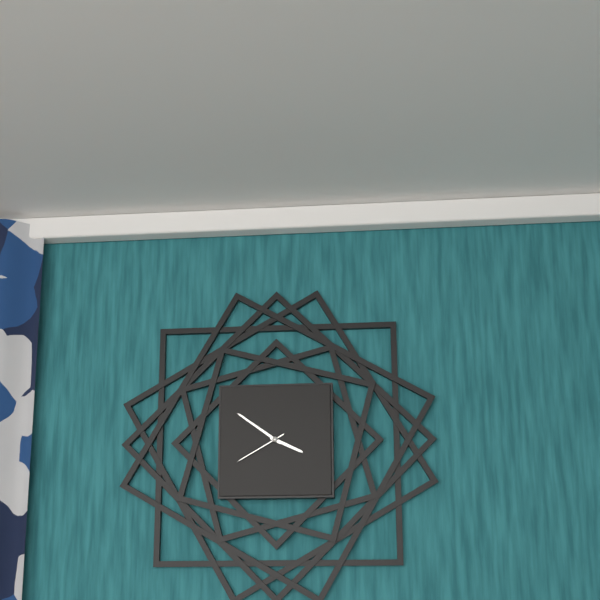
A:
h=3 m=51 s=40
